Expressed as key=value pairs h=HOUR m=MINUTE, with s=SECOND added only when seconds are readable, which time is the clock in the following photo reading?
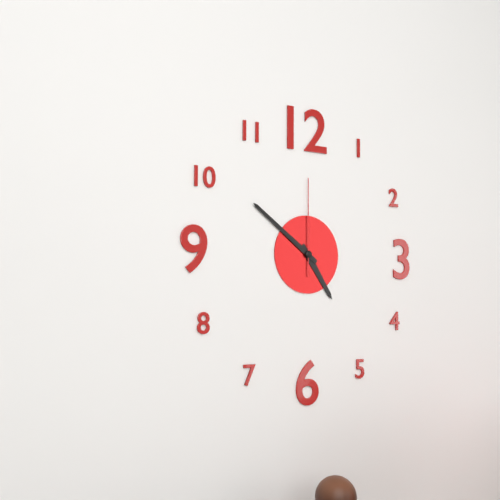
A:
h=4 m=51 s=0
